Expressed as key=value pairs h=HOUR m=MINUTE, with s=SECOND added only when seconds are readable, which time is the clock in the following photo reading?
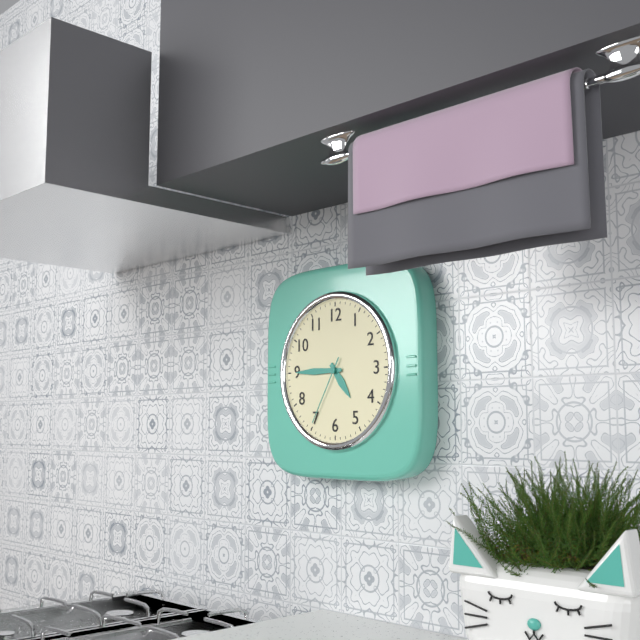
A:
h=4 m=45 s=35
